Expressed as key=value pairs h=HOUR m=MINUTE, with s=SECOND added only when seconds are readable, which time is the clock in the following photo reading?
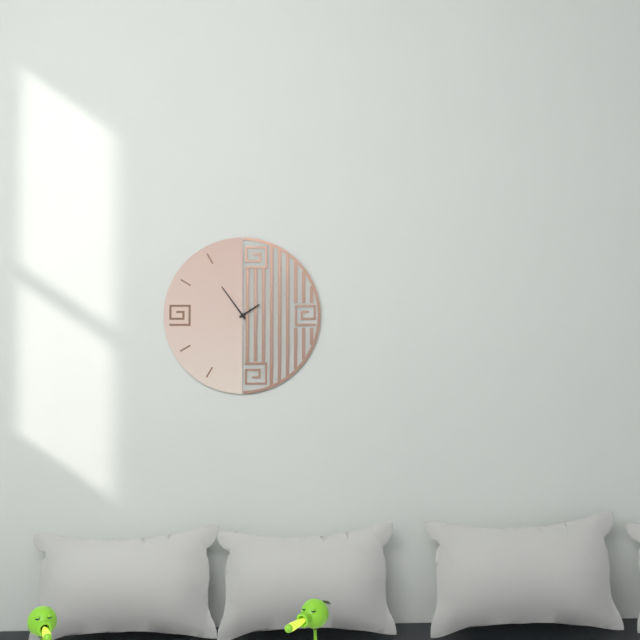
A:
h=1 m=54
